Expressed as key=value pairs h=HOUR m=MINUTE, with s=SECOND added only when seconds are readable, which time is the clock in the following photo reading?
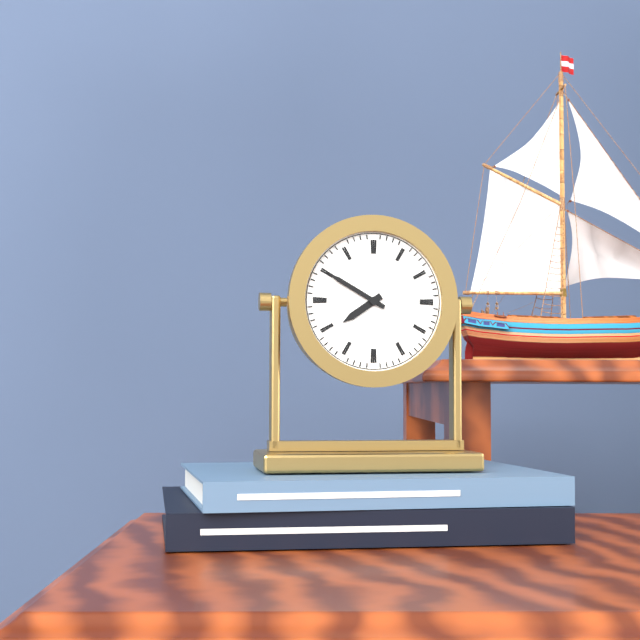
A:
h=7 m=50
